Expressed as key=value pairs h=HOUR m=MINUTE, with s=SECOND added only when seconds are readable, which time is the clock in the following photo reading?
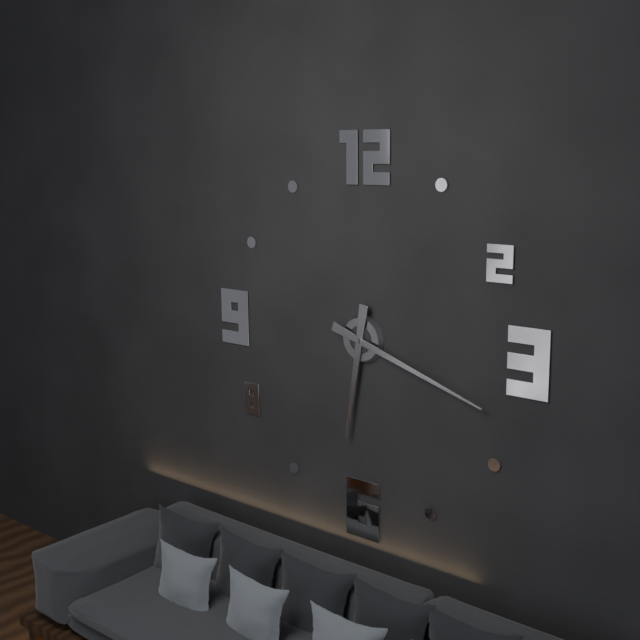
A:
h=6 m=18
